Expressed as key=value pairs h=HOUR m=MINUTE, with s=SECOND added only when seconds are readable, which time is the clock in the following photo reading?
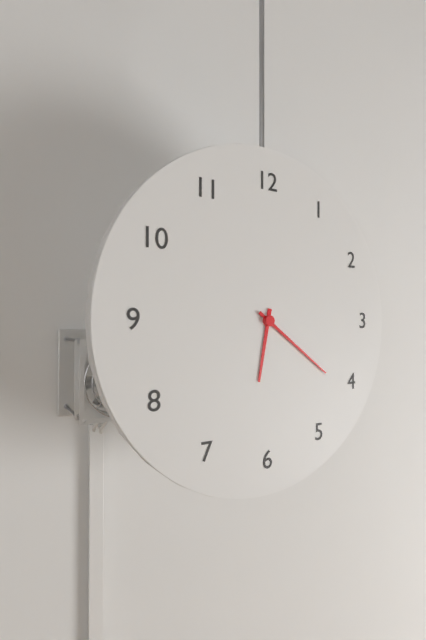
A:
h=6 m=21
